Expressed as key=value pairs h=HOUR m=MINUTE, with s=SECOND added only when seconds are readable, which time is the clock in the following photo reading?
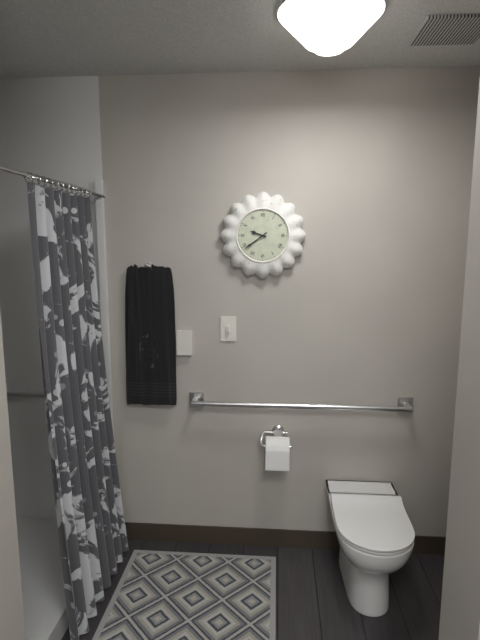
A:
h=9 m=39
